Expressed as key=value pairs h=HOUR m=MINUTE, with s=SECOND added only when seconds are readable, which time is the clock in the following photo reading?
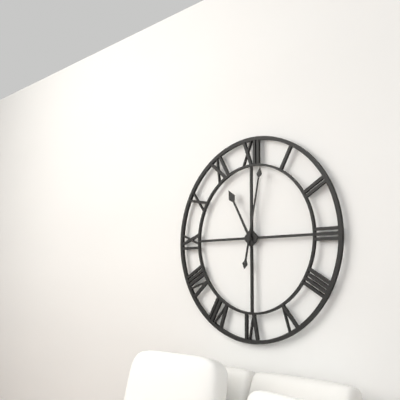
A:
h=11 m=2
